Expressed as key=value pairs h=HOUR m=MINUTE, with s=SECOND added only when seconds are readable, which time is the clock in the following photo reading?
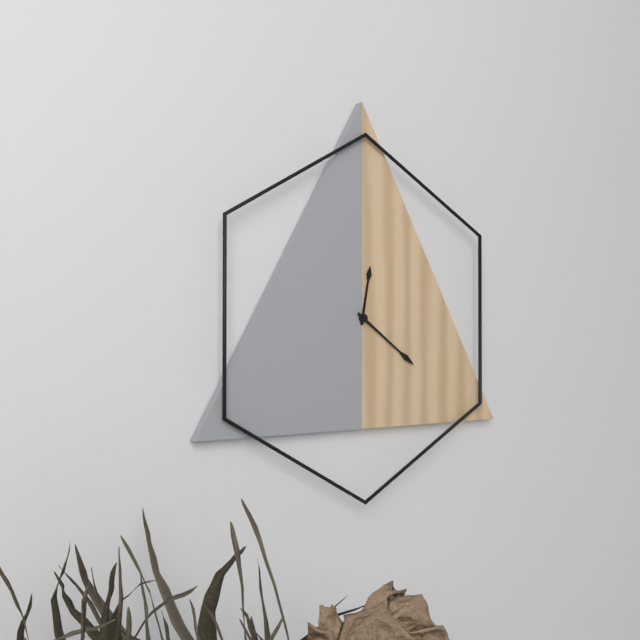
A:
h=12 m=21
